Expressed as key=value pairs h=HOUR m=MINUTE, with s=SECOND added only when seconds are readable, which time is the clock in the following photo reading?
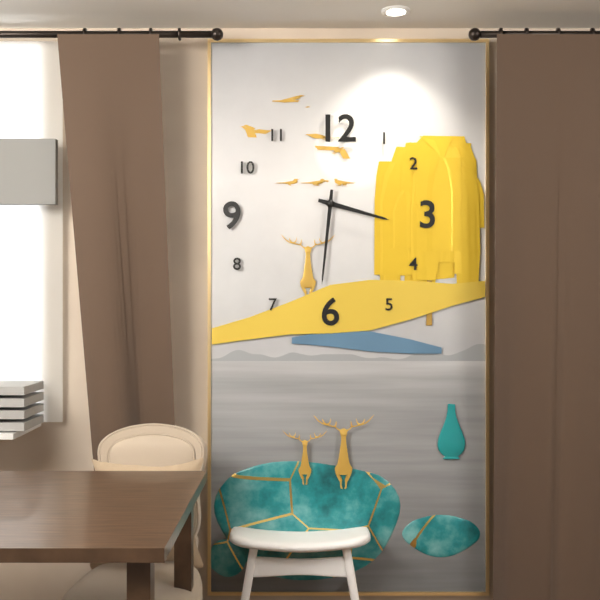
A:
h=3 m=31
